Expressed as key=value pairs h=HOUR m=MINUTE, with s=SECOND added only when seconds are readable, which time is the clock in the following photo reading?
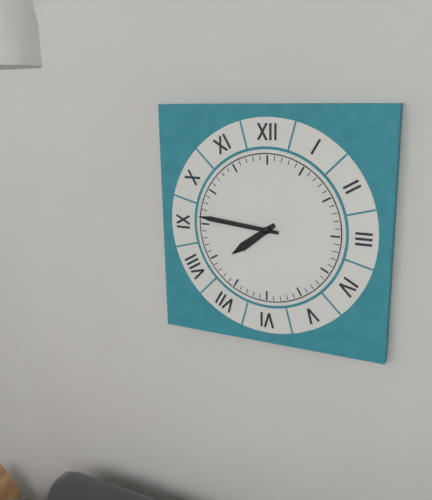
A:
h=7 m=46
